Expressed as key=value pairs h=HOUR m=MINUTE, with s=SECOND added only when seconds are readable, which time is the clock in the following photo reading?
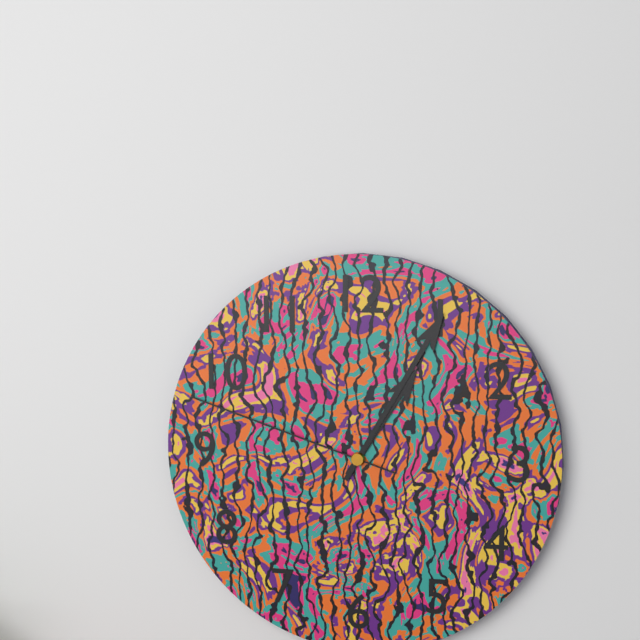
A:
h=1 m=5 s=48
